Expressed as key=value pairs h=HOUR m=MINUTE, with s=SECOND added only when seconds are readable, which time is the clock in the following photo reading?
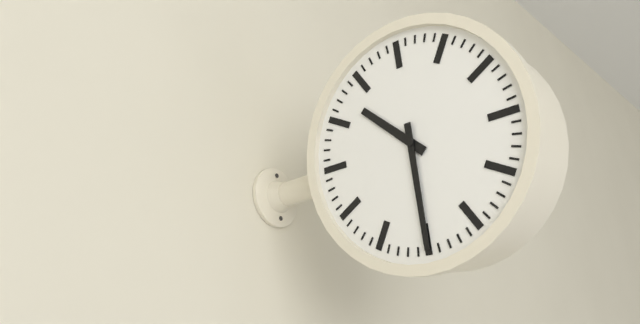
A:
h=10 m=30
